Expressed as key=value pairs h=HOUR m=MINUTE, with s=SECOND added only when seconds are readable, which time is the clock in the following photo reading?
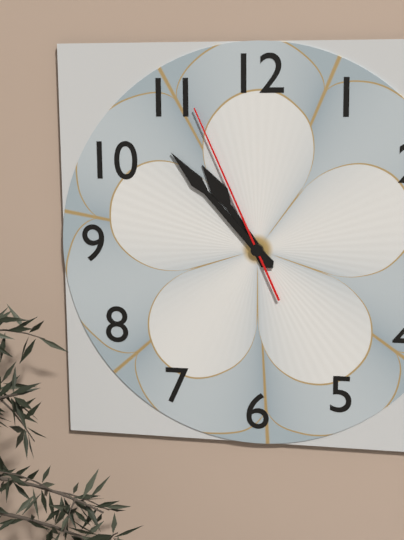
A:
h=10 m=53 s=56
